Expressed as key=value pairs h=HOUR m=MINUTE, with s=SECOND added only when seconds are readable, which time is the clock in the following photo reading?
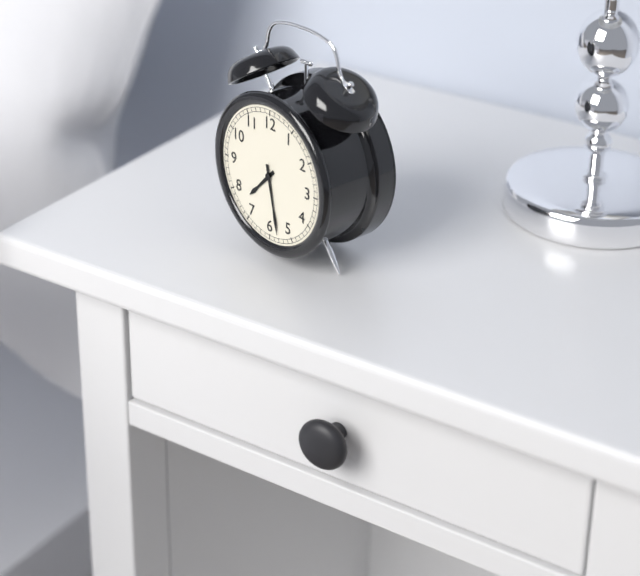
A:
h=7 m=28
